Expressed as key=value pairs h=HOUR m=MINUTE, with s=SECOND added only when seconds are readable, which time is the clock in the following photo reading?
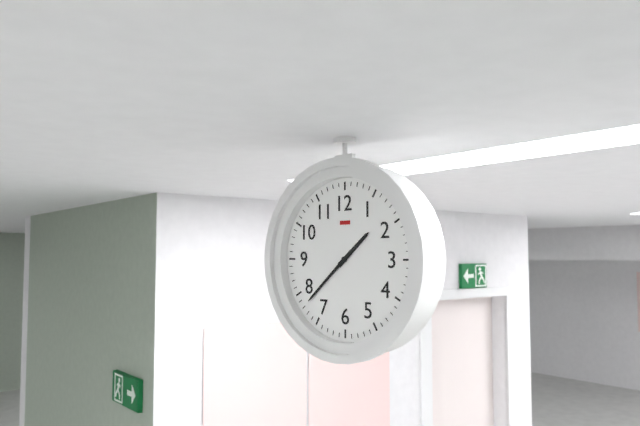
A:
h=1 m=38
